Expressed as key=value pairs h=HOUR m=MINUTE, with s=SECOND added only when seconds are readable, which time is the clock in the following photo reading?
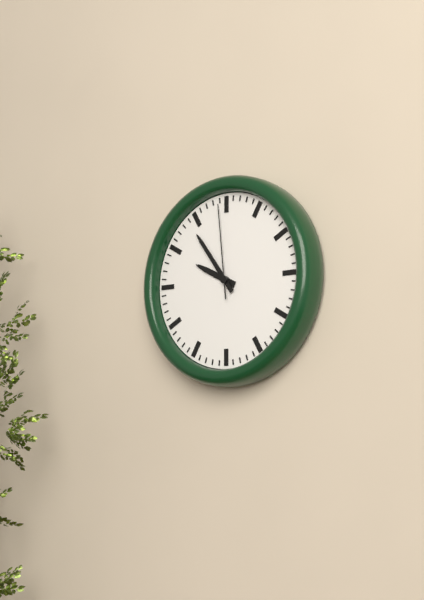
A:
h=9 m=54 s=59
